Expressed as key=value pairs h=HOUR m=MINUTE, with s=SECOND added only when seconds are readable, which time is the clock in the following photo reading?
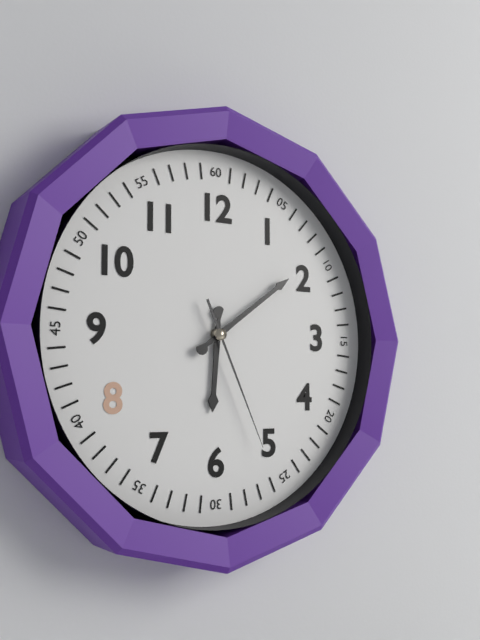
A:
h=6 m=9 s=26
